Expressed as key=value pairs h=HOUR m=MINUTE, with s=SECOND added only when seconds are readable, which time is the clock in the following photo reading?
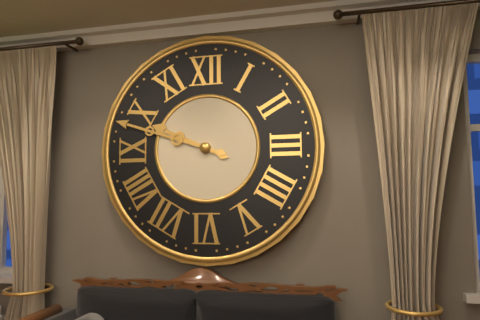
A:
h=9 m=48
